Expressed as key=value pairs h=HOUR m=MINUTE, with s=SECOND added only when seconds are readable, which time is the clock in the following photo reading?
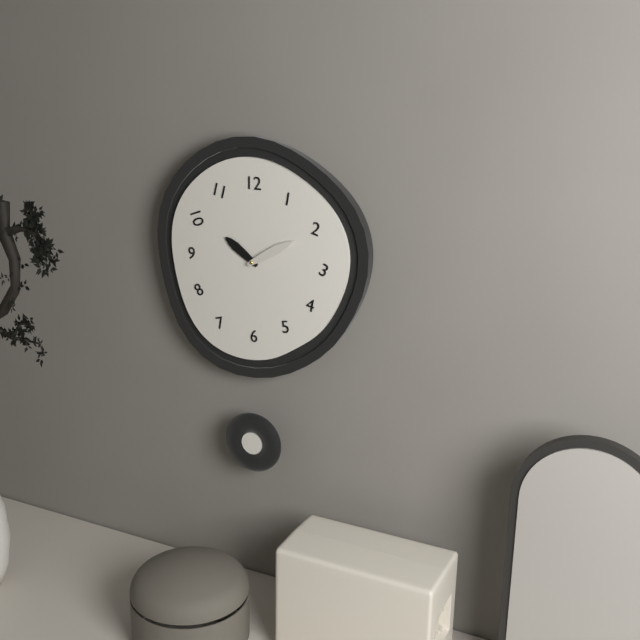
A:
h=10 m=10
